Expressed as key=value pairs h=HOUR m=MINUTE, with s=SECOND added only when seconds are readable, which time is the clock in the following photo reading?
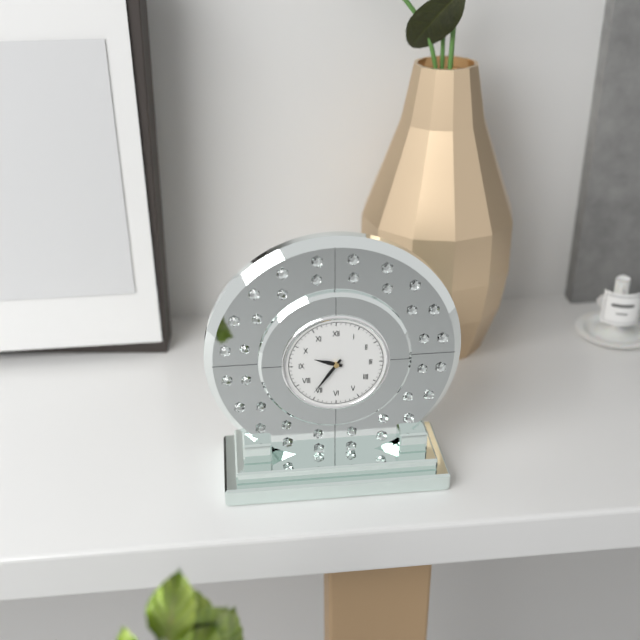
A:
h=9 m=36
